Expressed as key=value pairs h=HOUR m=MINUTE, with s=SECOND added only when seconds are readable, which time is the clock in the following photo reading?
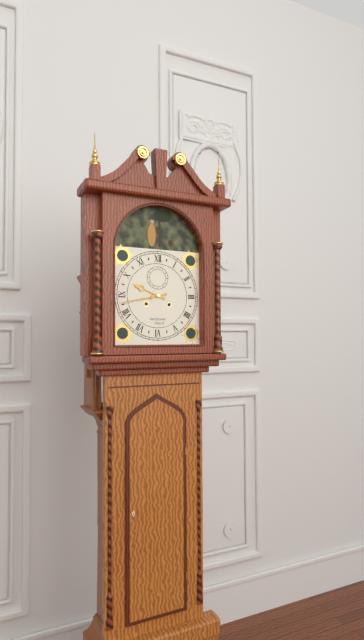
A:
h=9 m=43
